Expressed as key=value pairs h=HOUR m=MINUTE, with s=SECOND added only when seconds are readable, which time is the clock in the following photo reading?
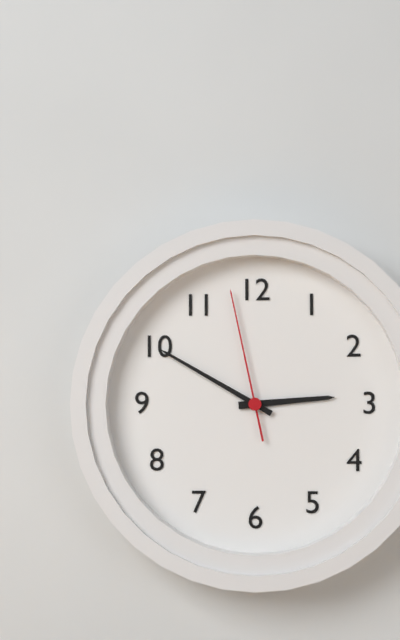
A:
h=2 m=50 s=58
